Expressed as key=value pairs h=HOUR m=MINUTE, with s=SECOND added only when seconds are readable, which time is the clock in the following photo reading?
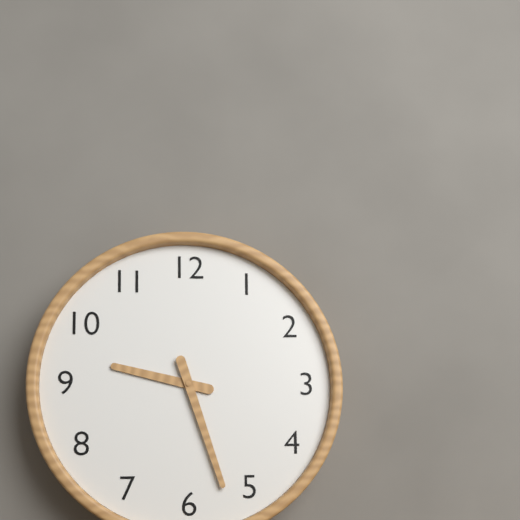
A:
h=9 m=27
